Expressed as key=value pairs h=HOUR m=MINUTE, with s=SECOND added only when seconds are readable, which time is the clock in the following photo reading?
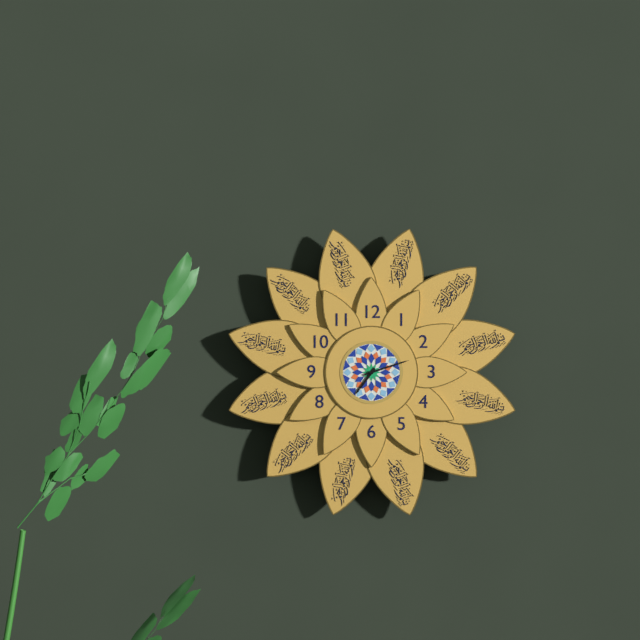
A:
h=7 m=12
